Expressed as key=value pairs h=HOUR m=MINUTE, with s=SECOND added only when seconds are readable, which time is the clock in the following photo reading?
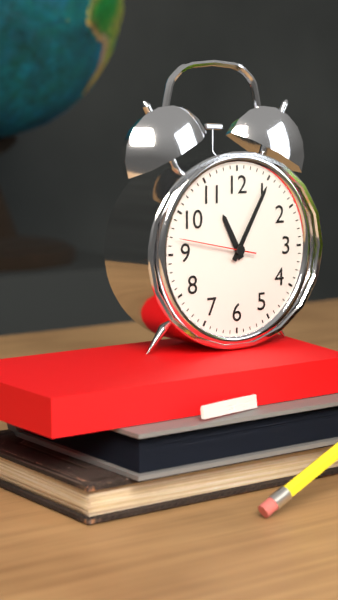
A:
h=11 m=5 s=47
